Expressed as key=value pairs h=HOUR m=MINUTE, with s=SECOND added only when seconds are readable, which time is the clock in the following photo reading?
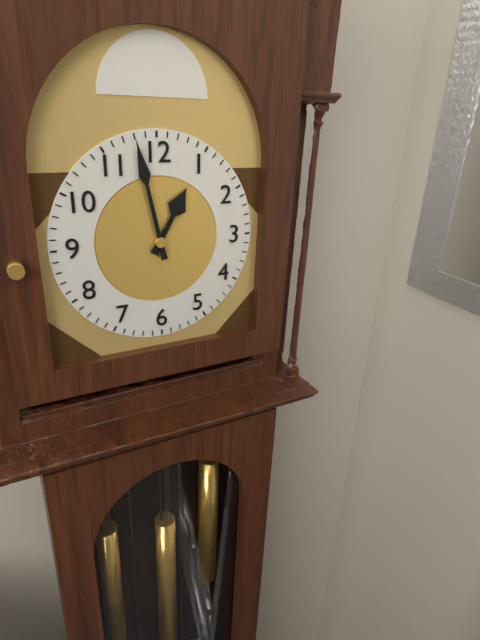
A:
h=12 m=58
